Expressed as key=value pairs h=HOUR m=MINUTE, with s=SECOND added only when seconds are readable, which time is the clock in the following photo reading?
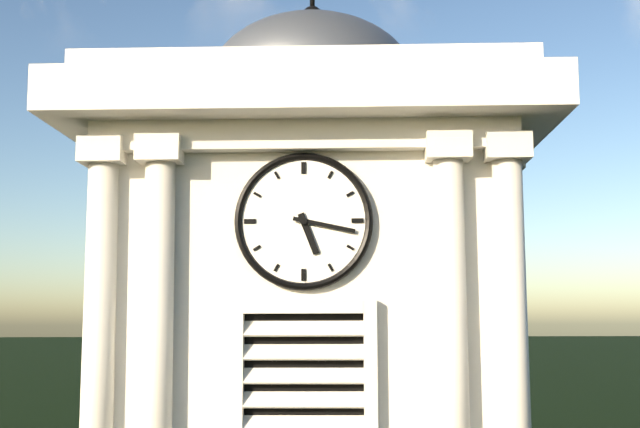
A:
h=5 m=17
